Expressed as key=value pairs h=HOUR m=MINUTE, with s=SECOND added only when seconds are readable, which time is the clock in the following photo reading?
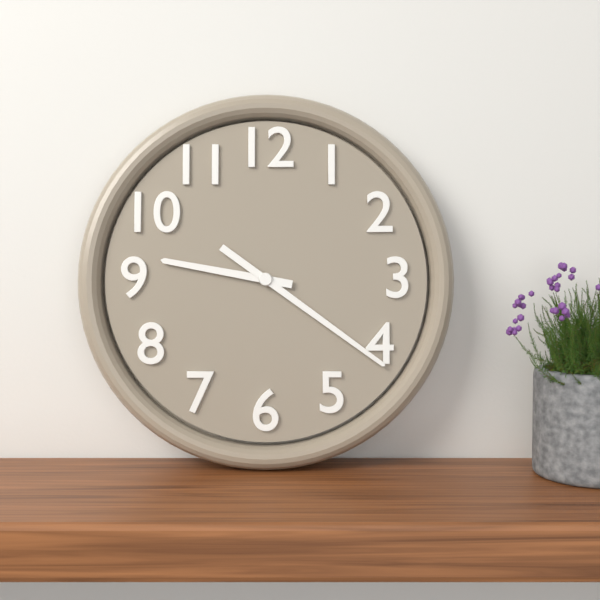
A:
h=9 m=21
